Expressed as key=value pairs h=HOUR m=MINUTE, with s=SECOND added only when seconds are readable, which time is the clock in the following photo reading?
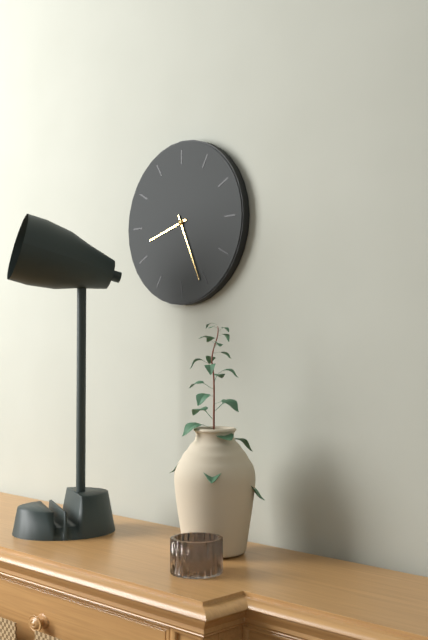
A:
h=8 m=26
